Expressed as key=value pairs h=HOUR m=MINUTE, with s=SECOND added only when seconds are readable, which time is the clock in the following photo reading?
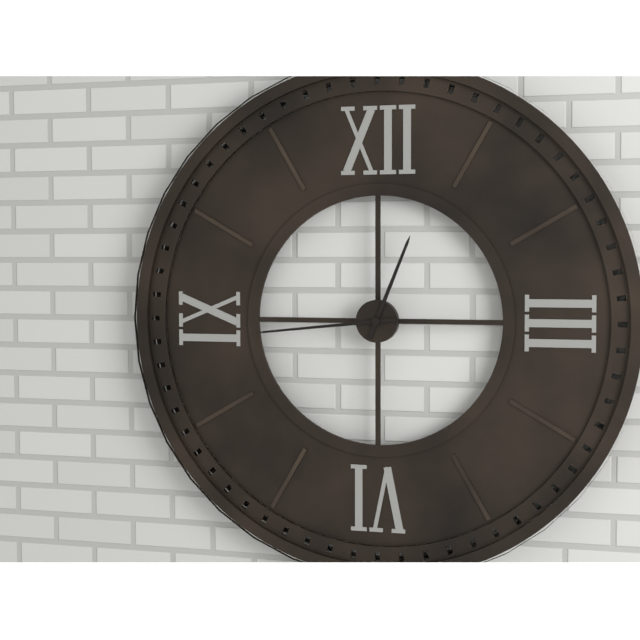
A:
h=12 m=44
